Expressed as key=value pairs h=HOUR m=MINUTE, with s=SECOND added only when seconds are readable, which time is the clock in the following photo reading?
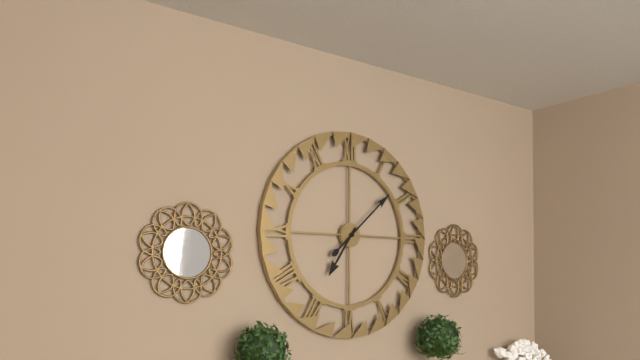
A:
h=7 m=8
